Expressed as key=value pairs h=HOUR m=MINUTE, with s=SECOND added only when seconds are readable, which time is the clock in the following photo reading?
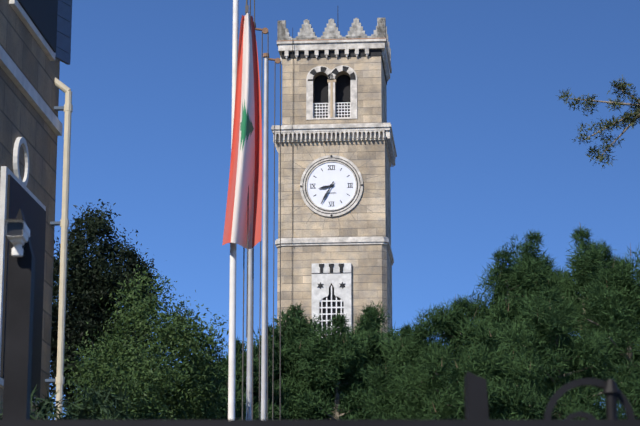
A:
h=8 m=35
